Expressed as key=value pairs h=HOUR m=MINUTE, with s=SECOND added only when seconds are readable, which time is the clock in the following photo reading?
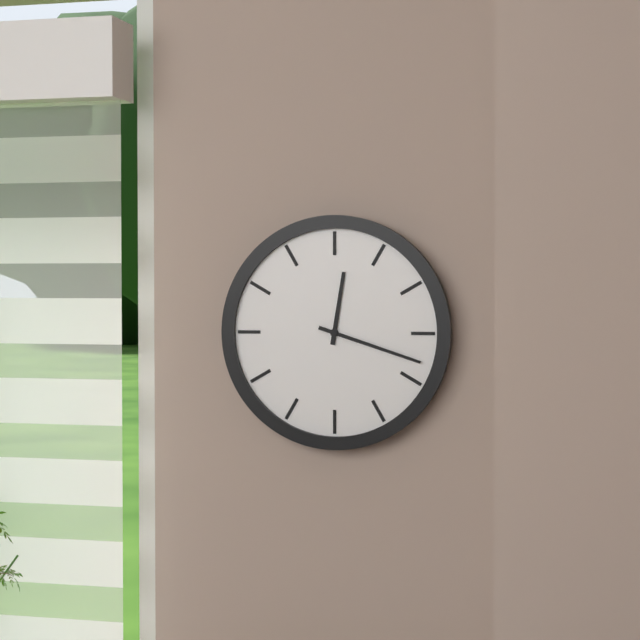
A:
h=12 m=18
